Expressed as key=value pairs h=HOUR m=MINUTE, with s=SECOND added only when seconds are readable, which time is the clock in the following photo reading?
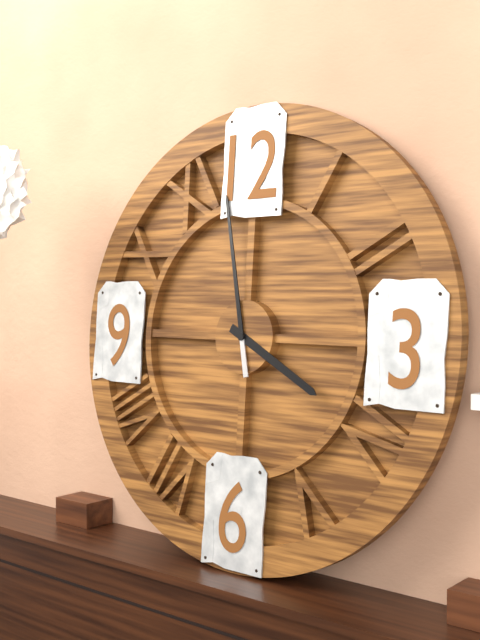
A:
h=3 m=58
